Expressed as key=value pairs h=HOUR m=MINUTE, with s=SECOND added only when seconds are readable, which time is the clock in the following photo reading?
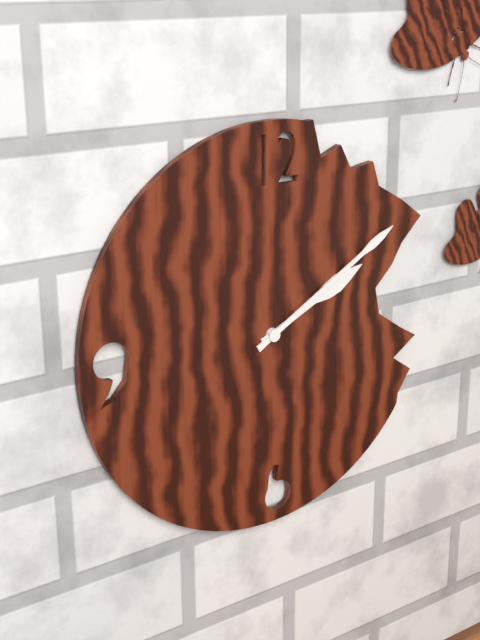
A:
h=2 m=10
